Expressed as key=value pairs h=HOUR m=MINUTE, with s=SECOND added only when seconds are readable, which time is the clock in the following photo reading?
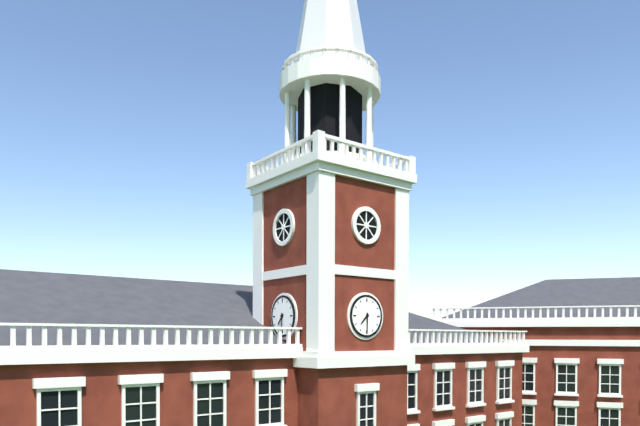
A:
h=7 m=30
